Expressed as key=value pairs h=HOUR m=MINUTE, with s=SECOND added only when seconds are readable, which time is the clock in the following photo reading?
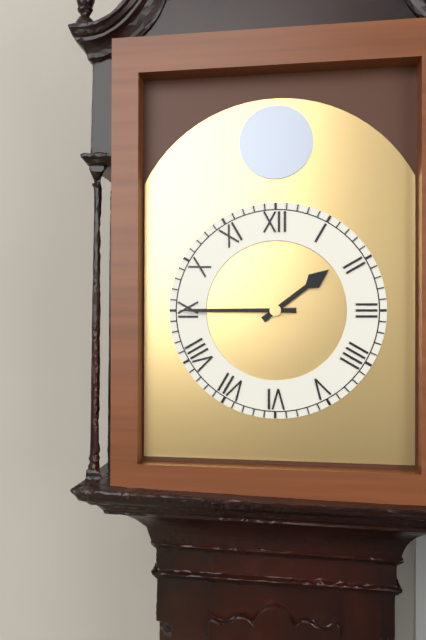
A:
h=1 m=45
